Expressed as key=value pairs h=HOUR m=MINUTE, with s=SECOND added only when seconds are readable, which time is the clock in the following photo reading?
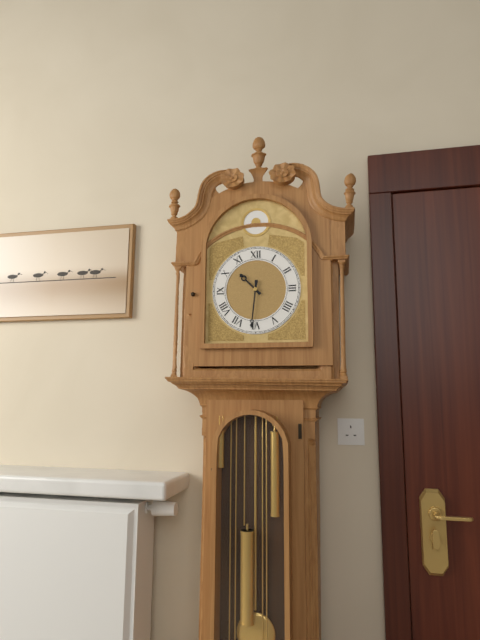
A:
h=10 m=31
